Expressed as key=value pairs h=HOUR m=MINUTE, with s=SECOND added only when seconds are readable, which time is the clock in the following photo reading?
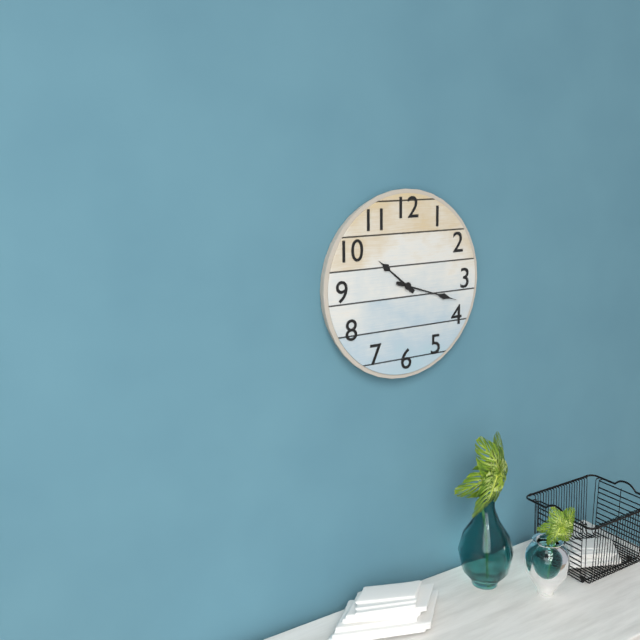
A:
h=10 m=18
